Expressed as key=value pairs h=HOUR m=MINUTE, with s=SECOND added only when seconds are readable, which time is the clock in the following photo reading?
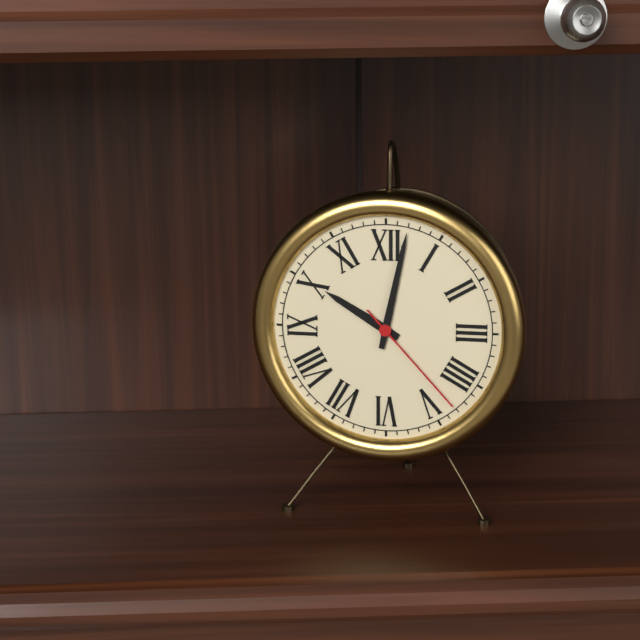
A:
h=10 m=2 s=23
